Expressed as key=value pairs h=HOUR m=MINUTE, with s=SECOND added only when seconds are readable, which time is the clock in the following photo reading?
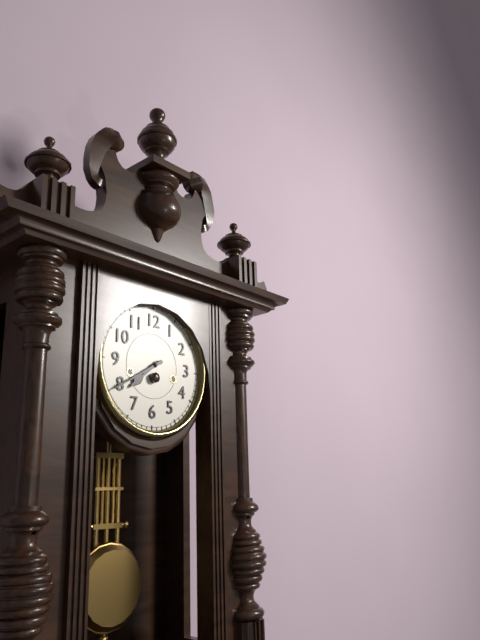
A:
h=7 m=40
